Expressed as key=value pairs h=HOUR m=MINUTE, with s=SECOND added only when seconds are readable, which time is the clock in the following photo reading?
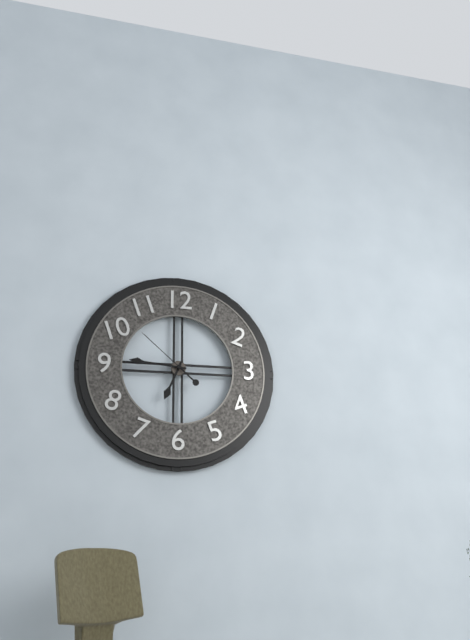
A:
h=6 m=46 s=52
